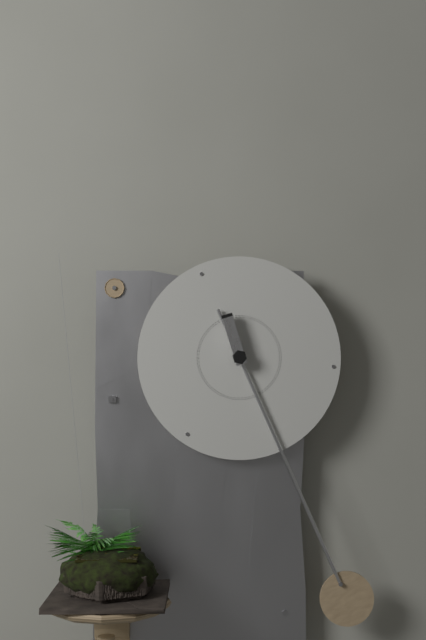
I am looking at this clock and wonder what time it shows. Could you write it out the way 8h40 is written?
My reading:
11h26
